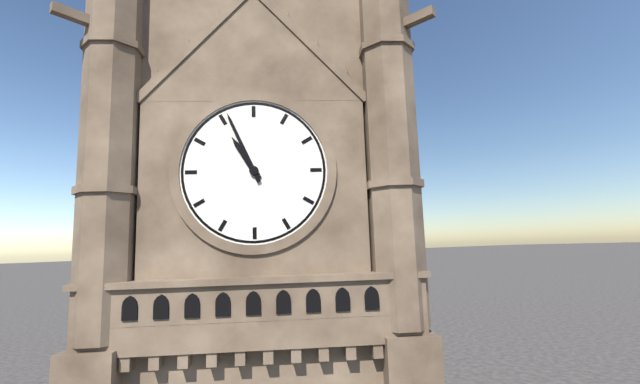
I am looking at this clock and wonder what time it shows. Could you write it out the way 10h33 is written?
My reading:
10h56
